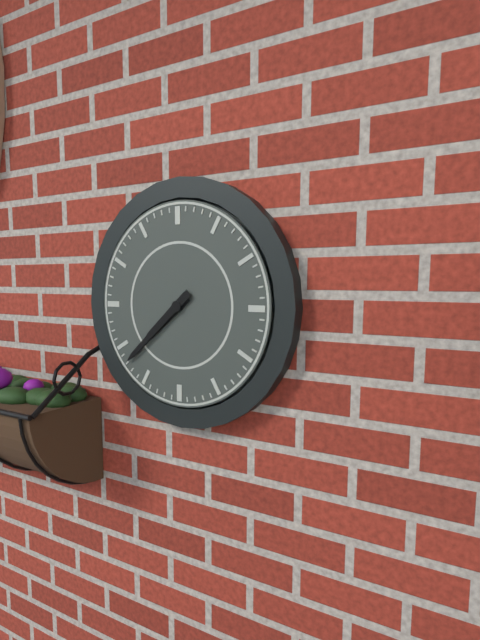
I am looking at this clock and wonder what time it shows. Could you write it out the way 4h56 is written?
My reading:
7h38
